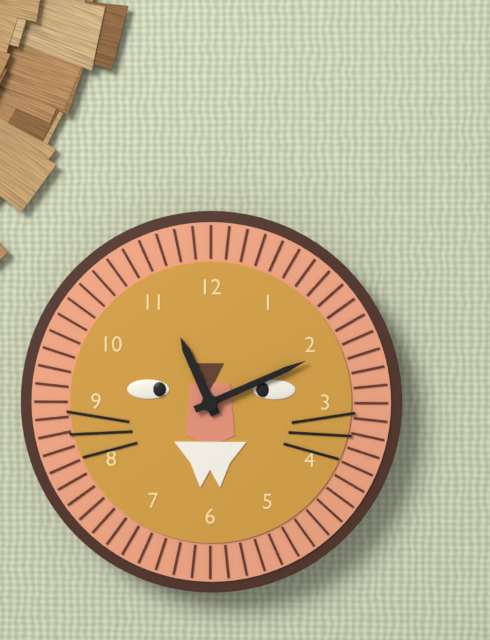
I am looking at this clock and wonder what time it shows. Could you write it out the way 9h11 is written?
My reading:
11h11
